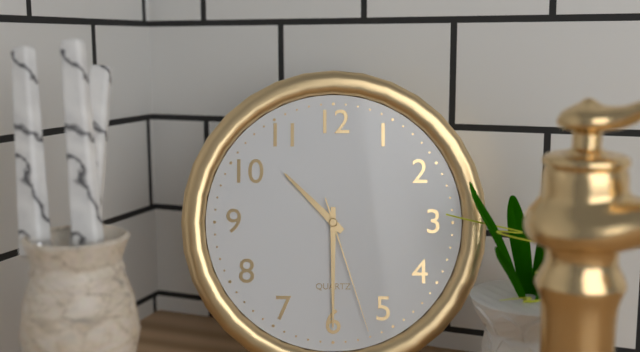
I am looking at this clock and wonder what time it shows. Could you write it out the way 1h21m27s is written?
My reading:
10h30m27s
